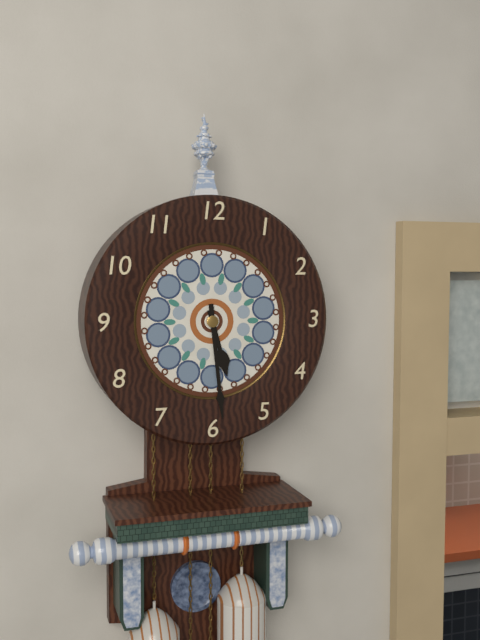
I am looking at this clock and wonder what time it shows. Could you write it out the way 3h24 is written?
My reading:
5h29
